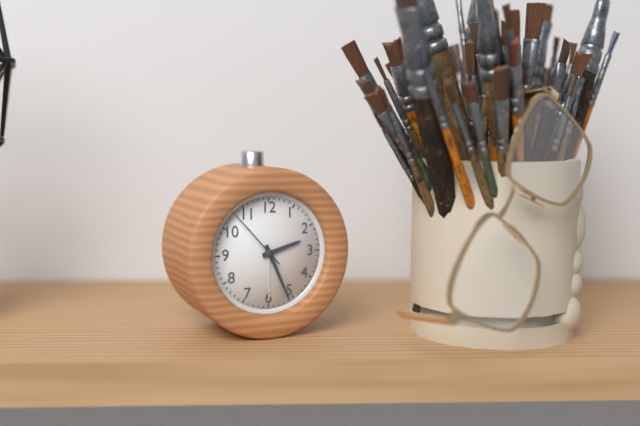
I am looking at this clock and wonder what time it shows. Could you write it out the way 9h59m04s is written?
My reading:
2h26m53s
